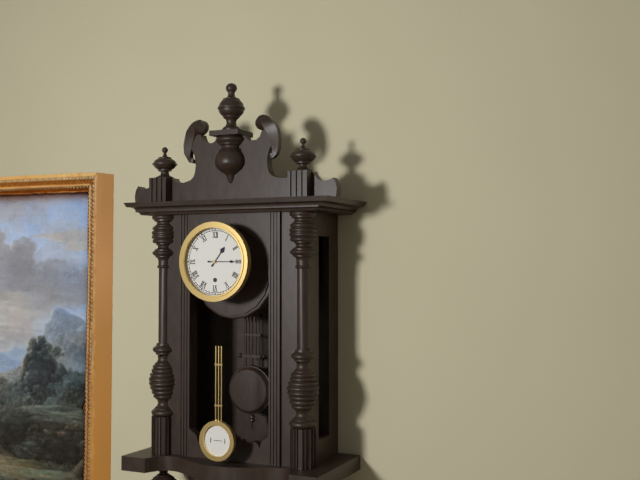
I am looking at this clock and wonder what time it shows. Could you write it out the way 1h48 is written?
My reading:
1h15
